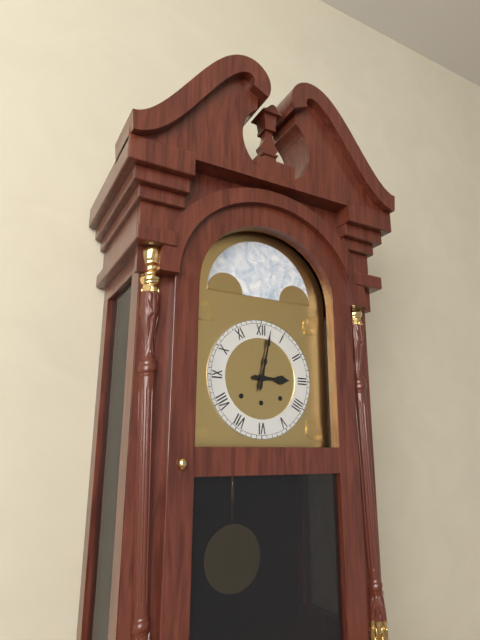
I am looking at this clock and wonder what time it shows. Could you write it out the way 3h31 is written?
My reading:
3h02
